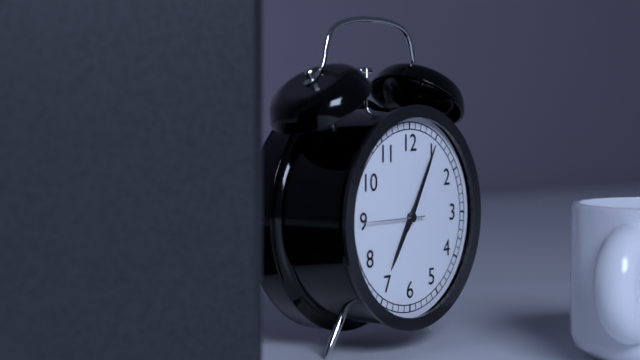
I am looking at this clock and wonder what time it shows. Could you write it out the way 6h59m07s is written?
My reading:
7h05m45s
